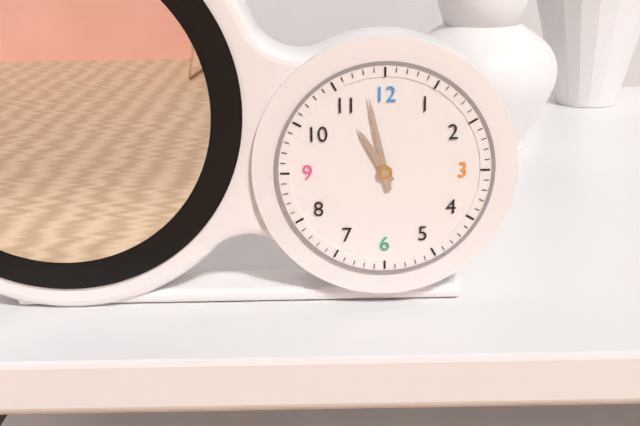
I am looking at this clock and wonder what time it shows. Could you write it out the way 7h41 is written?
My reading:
10h58
